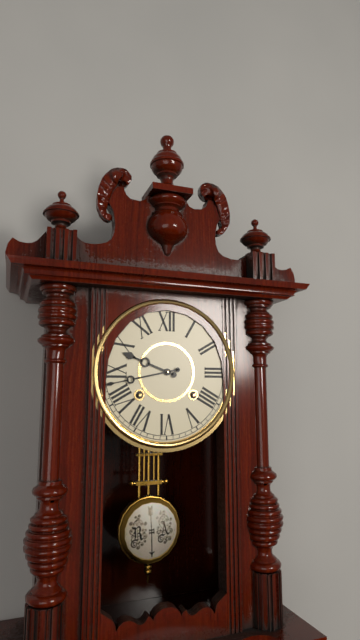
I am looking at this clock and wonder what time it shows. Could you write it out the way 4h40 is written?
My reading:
9h43
